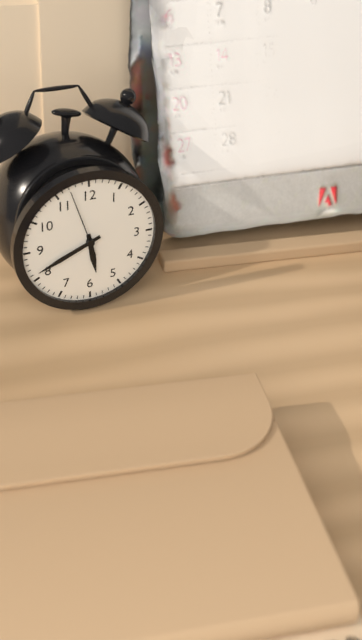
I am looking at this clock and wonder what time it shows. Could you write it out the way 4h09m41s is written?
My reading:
5h41m57s
